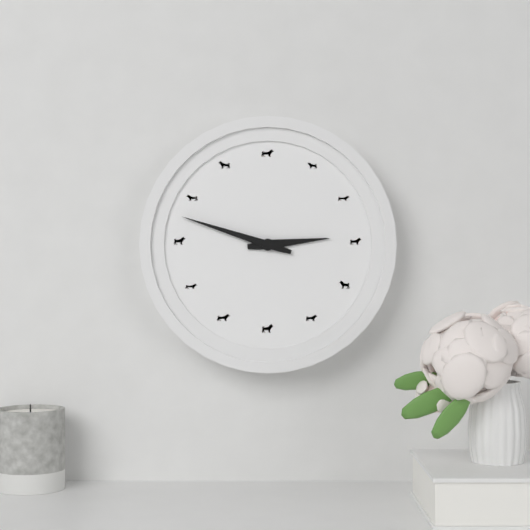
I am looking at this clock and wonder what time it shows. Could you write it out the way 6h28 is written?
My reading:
2h48
